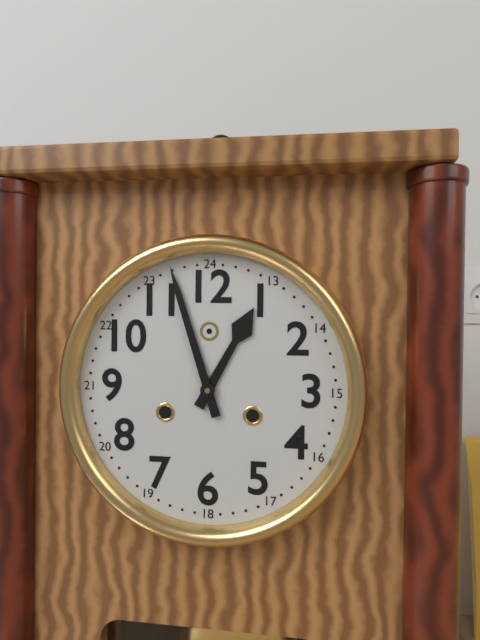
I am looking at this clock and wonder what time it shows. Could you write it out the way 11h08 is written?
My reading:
12h57
